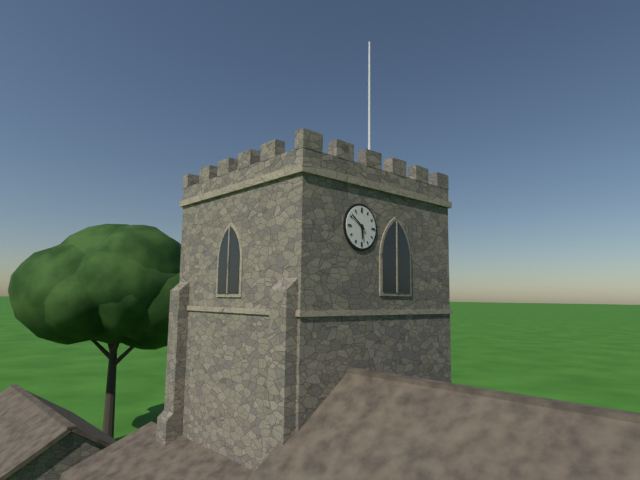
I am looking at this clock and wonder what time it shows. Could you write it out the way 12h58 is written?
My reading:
5h51
